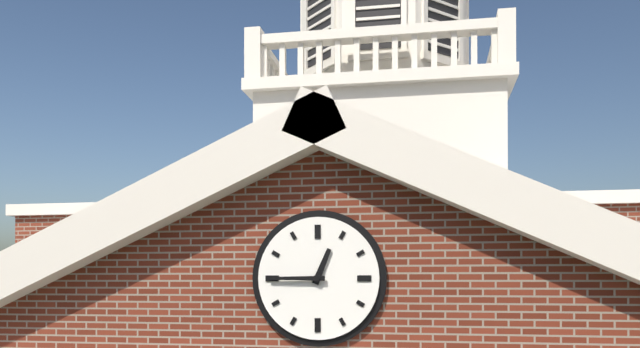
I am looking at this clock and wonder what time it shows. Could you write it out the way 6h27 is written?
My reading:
12h45
